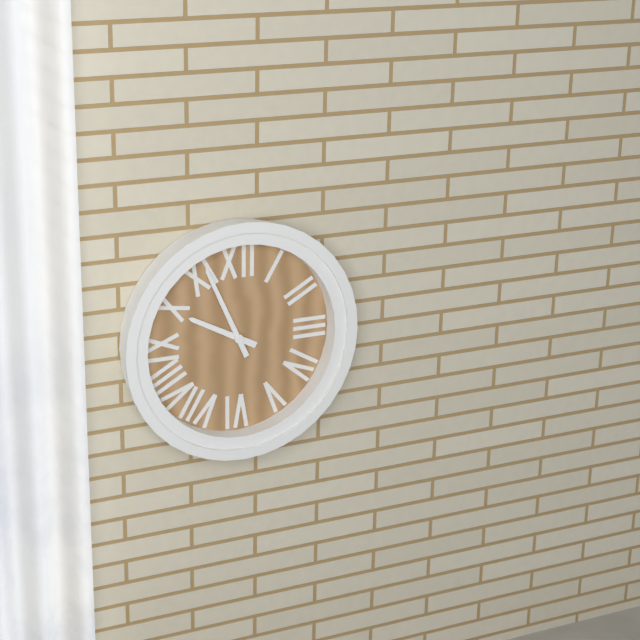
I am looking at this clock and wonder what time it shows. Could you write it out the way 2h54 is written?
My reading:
9h56
